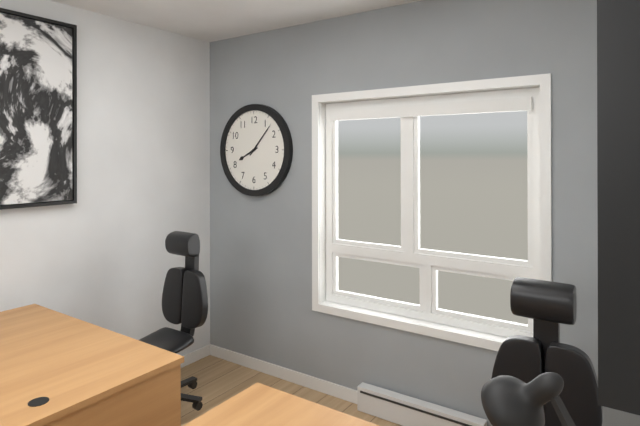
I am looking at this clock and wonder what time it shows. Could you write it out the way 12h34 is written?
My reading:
8h07
